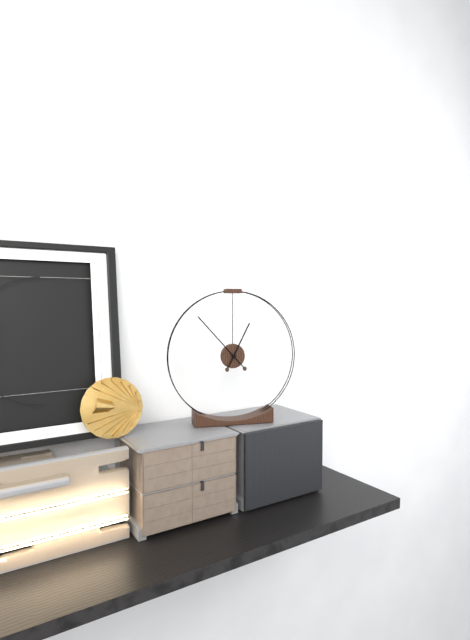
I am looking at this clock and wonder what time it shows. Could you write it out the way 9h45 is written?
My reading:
12h53
